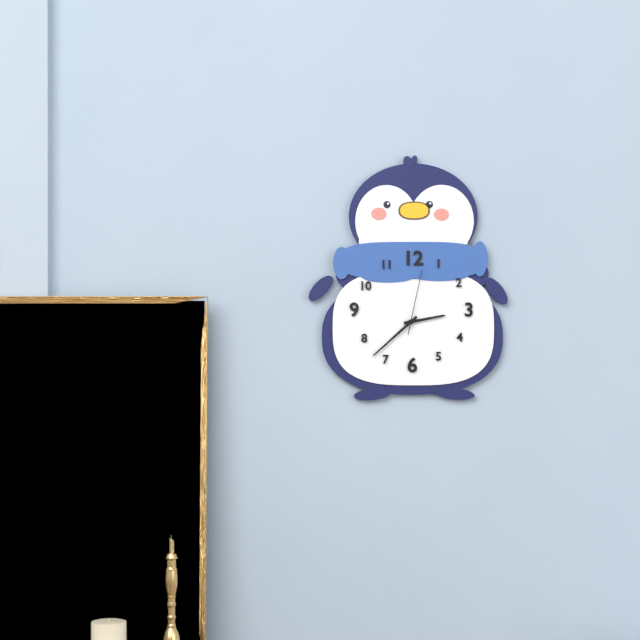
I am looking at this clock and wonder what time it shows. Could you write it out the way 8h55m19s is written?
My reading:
2h38m02s
